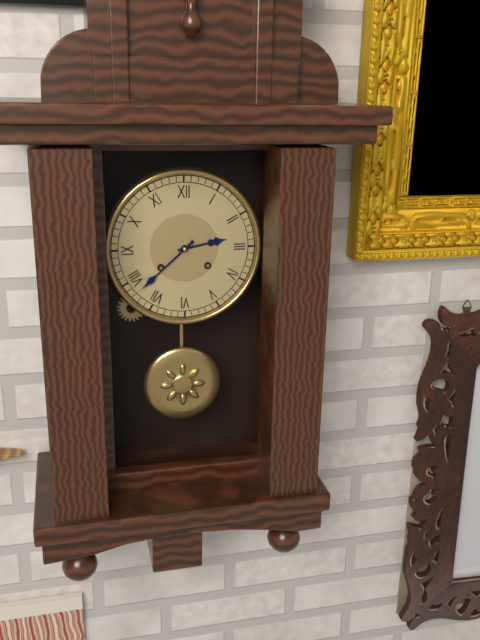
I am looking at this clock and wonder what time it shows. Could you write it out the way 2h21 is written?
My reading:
2h38
